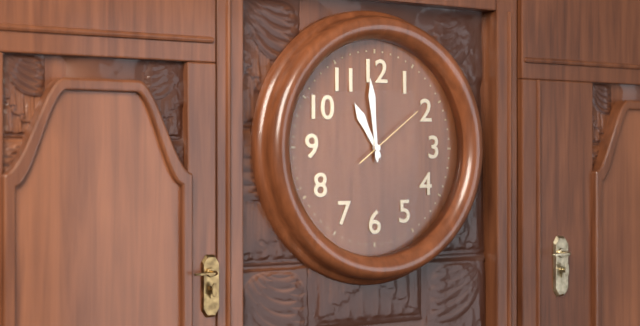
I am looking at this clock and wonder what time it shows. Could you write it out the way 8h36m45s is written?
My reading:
10h59m09s
